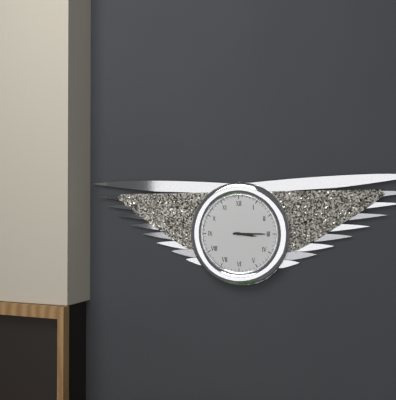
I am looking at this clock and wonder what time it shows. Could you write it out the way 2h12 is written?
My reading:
3h15
